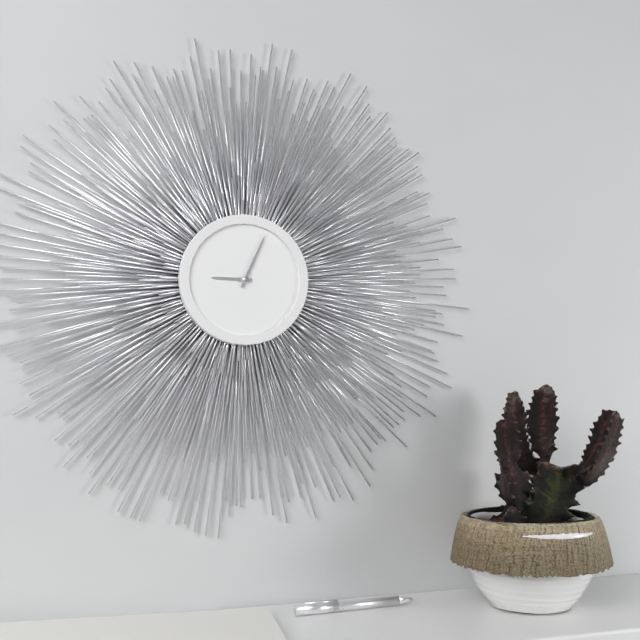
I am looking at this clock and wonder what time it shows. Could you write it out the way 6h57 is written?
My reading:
9h04
